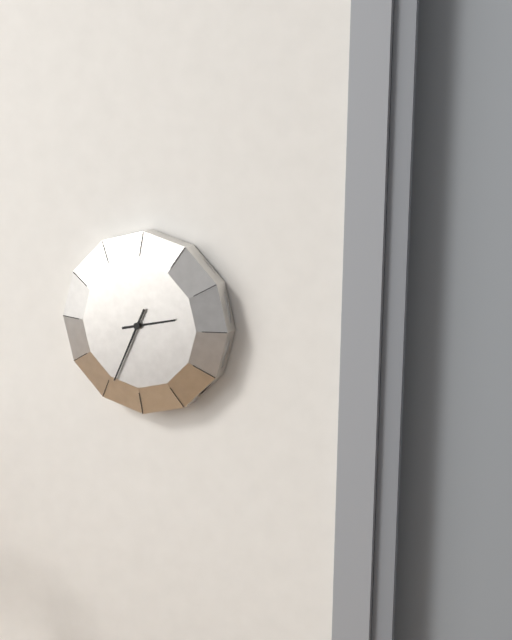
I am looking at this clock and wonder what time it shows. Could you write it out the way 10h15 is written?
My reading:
2h34
